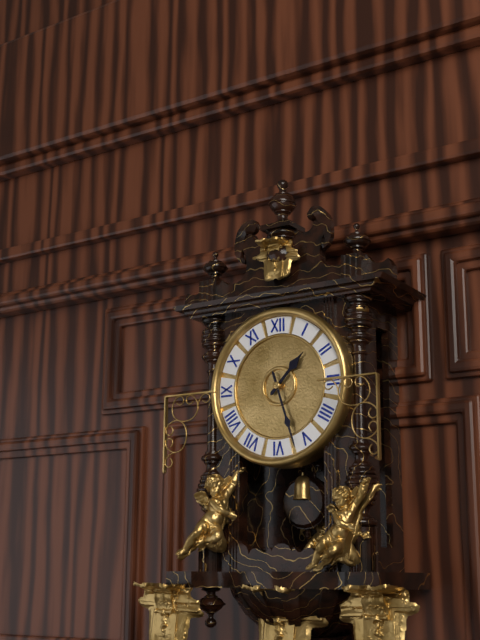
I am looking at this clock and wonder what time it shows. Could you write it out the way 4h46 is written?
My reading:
1h27
